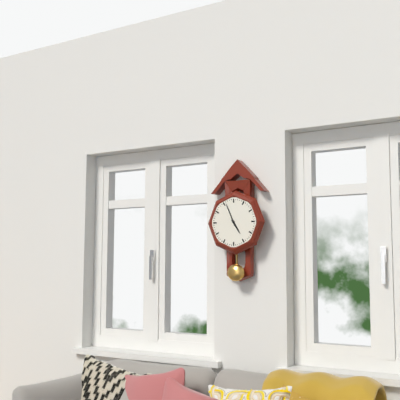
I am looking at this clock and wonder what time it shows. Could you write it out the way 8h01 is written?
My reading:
4h56
